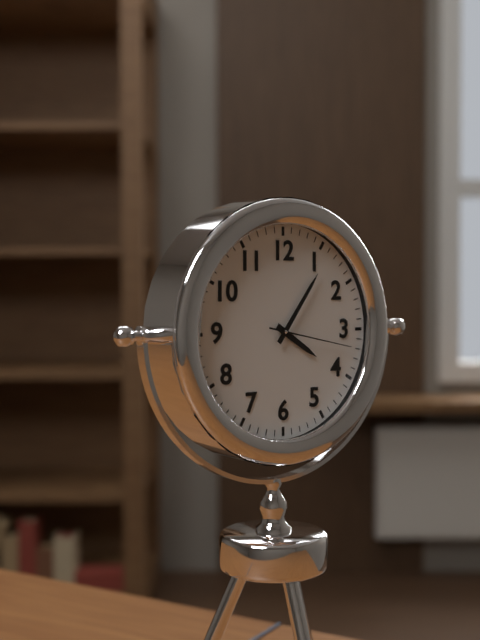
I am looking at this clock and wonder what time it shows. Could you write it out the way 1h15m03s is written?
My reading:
4h06m17s
